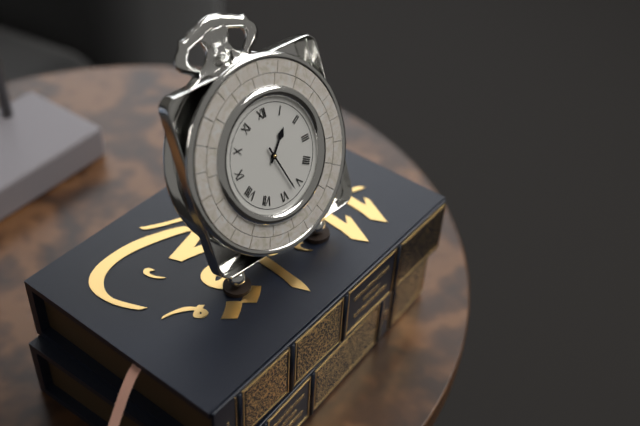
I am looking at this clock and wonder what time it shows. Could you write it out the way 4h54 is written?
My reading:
1h27
